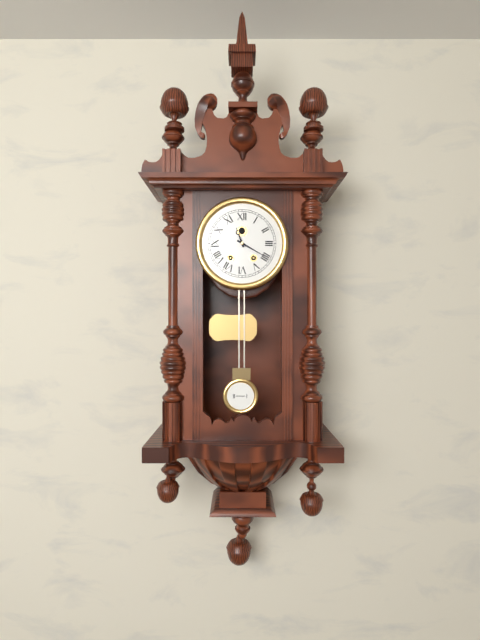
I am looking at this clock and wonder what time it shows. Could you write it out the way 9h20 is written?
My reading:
11h20
